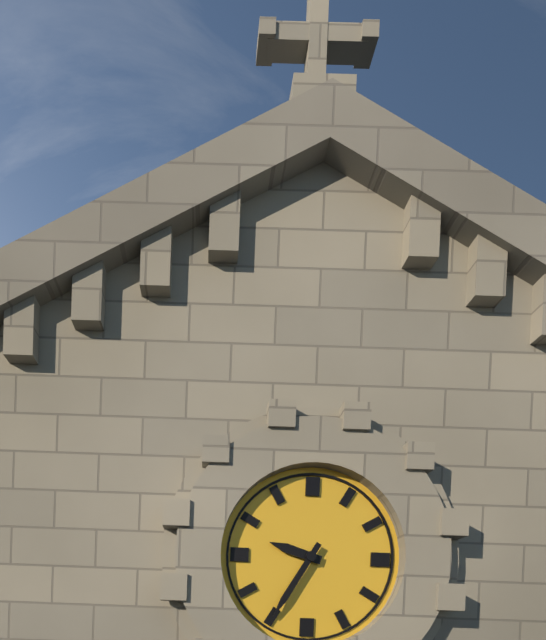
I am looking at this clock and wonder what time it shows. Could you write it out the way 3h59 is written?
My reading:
9h35
